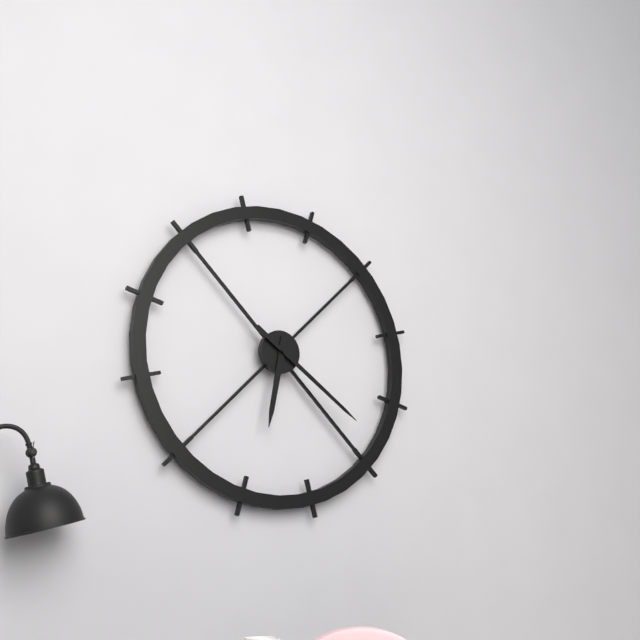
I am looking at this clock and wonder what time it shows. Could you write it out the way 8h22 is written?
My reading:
6h21
